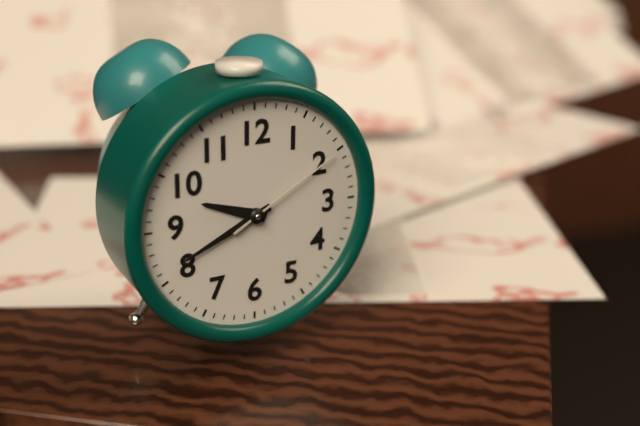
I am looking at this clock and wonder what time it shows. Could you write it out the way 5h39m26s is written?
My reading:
9h41m10s
